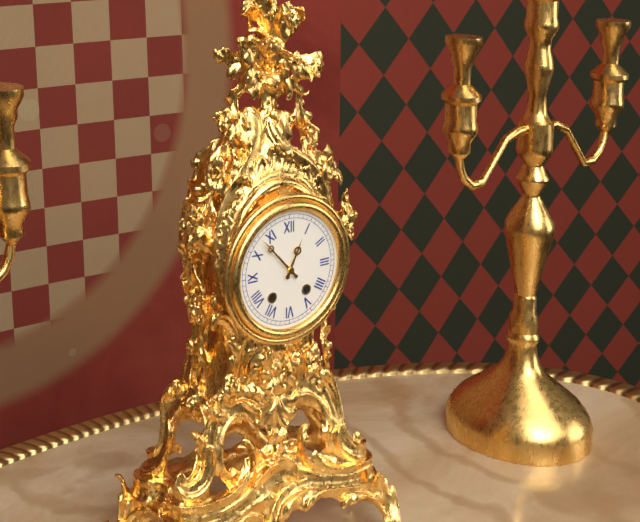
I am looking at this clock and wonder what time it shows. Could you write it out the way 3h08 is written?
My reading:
12h53
